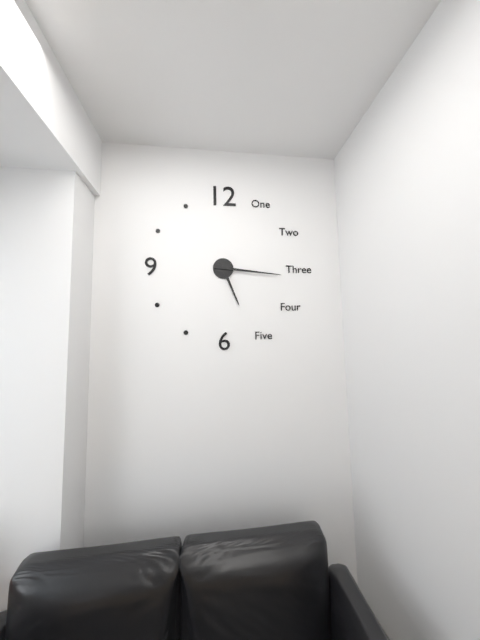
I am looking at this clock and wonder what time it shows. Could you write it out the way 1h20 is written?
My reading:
5h16
